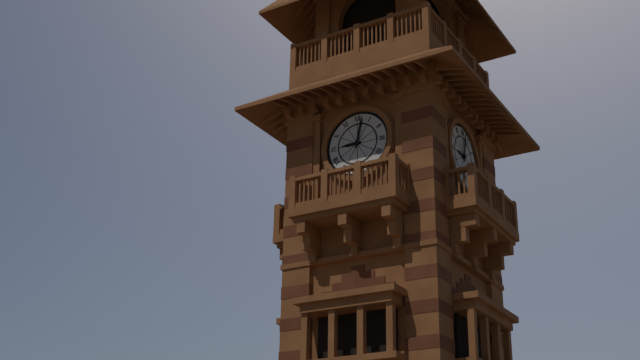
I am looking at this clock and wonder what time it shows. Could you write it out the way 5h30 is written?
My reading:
9h02
